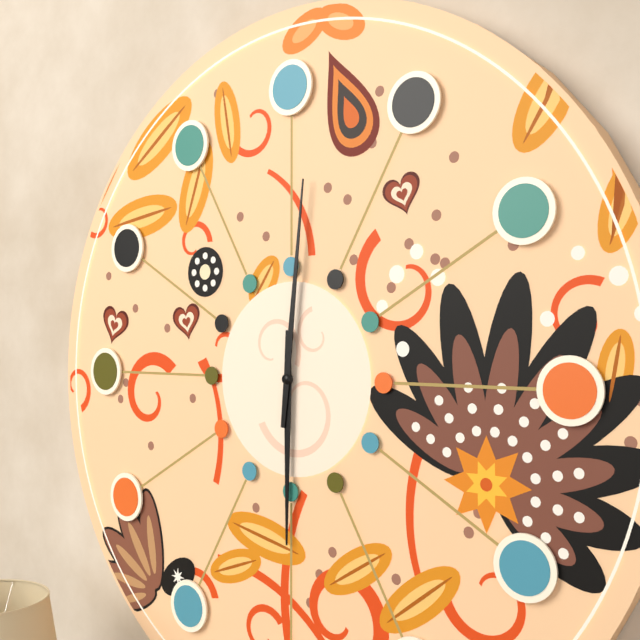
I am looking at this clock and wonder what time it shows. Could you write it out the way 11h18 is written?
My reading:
6h01
